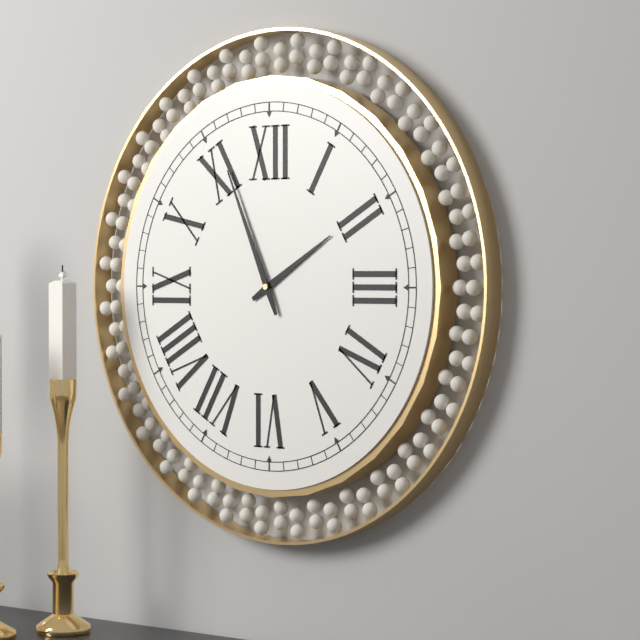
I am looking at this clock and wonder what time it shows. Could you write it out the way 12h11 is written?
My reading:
1h56
